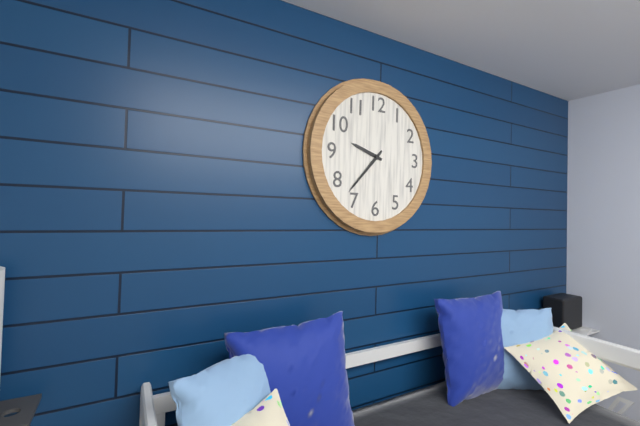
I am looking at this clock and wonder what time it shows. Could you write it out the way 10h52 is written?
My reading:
9h37
